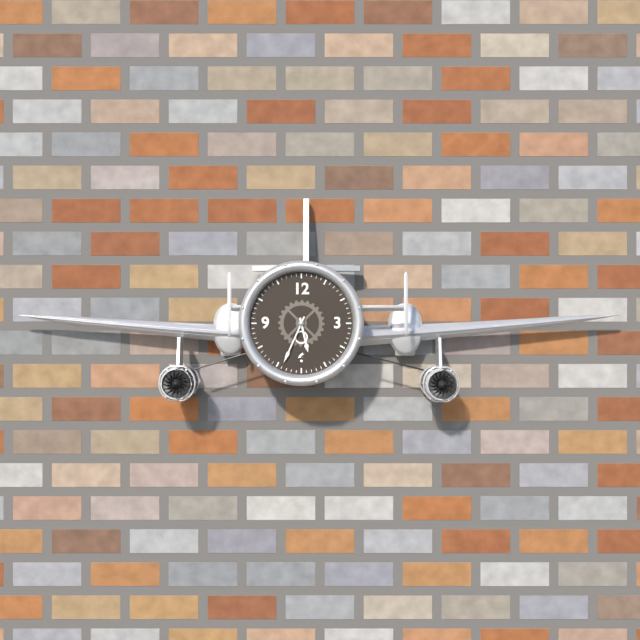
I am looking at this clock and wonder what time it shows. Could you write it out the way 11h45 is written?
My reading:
5h34
